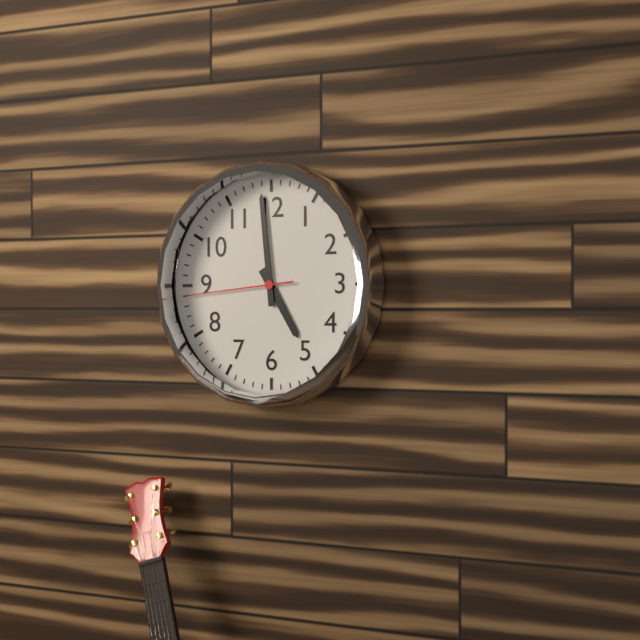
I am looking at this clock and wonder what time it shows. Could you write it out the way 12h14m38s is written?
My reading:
4h59m44s
